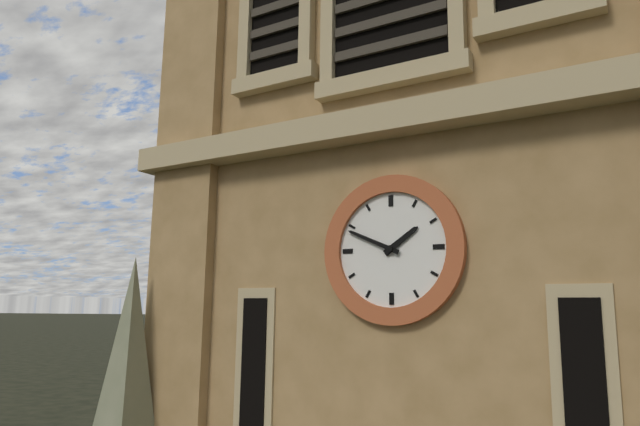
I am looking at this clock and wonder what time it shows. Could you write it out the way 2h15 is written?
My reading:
1h49
